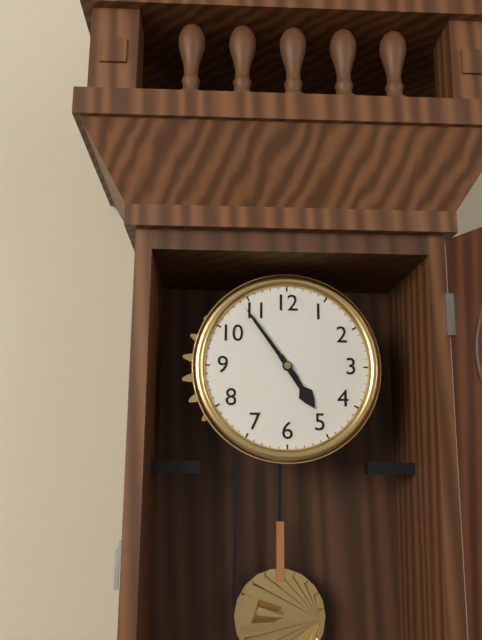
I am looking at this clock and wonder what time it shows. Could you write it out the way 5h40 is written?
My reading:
4h54
